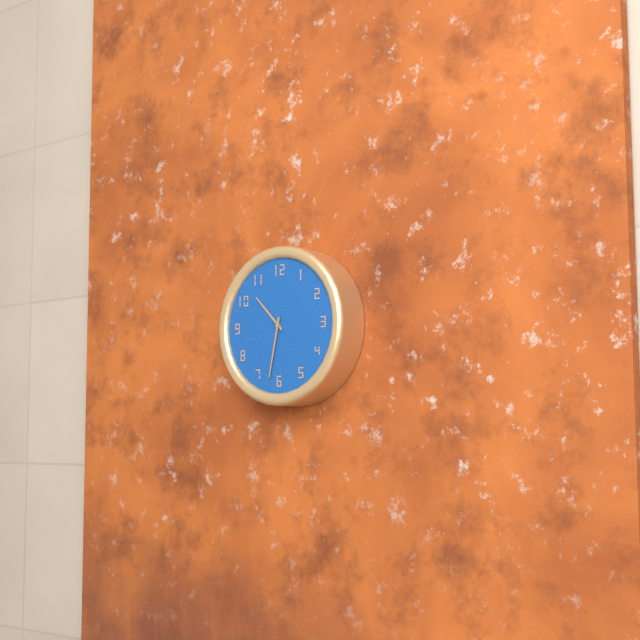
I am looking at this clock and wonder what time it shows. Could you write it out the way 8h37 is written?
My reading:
10h32
